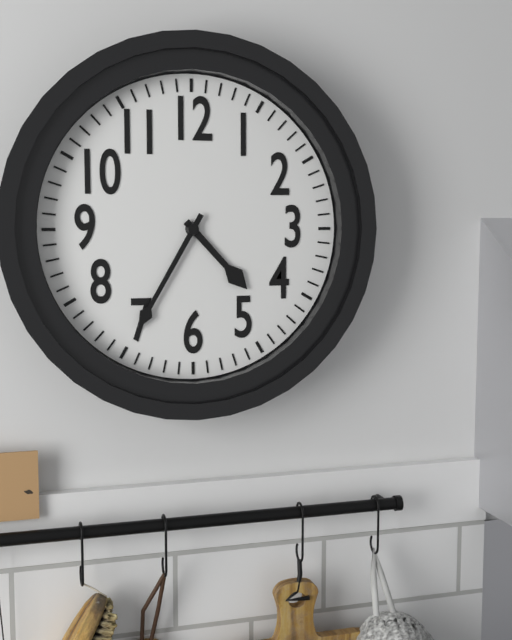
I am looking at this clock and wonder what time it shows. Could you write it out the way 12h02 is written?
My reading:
4h35
